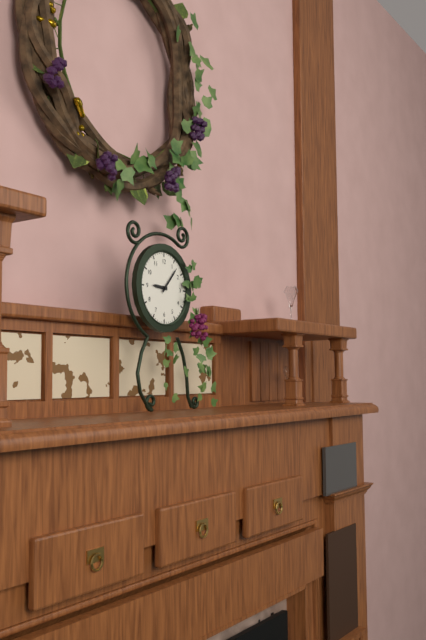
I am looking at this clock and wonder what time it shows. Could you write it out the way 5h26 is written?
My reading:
9h07
